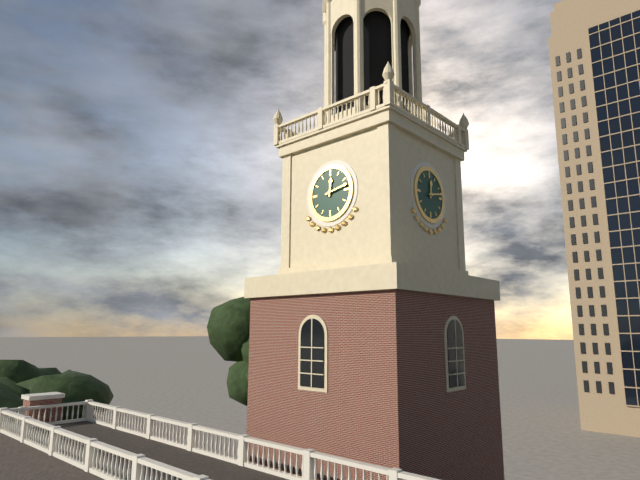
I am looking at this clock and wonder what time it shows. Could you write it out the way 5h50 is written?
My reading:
12h13
